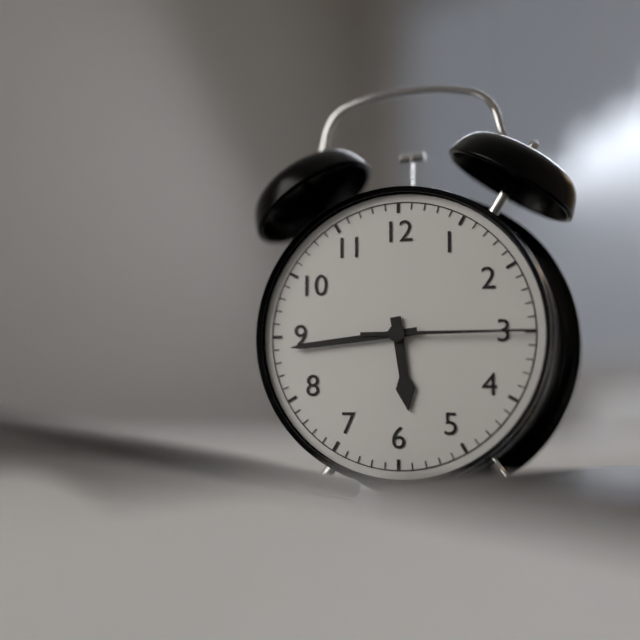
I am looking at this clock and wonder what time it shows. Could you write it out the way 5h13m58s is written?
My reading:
5h44m15s
